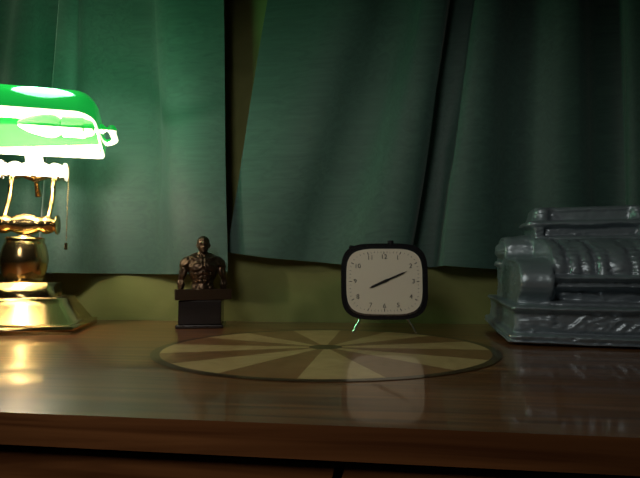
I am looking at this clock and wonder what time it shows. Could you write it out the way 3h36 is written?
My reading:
8h11
